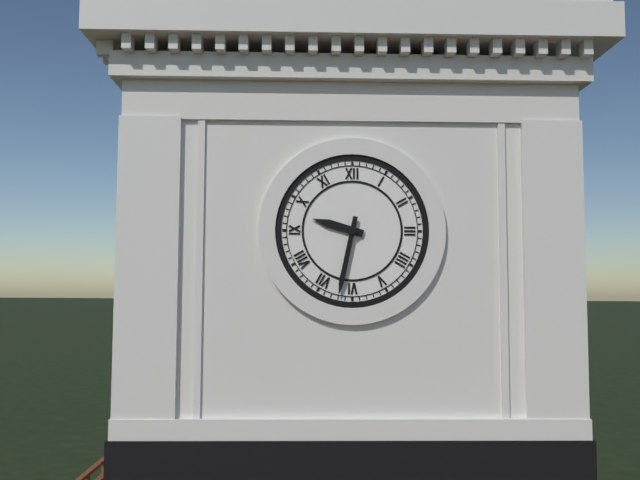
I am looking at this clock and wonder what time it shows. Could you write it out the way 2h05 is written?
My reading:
9h32
